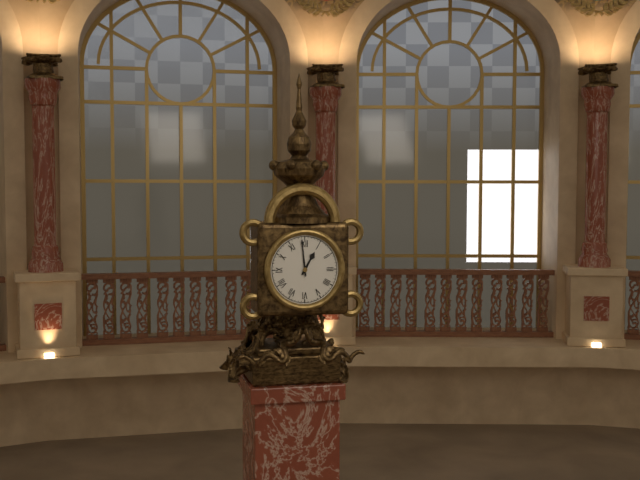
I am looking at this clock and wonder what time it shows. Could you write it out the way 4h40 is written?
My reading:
12h59
